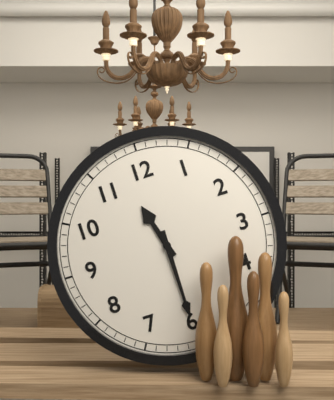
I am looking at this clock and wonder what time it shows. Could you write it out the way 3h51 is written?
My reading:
11h30
